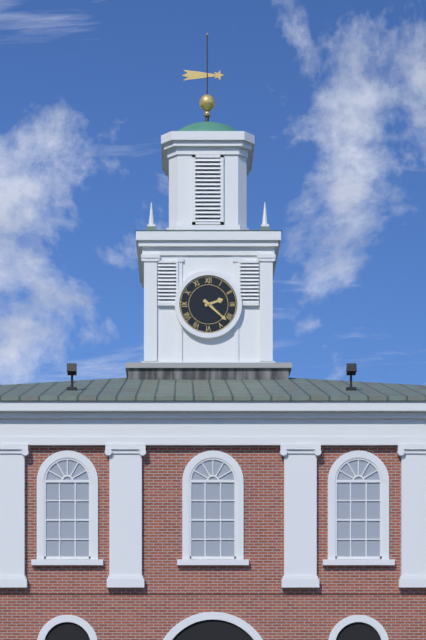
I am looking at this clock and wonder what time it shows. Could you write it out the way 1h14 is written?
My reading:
2h22
